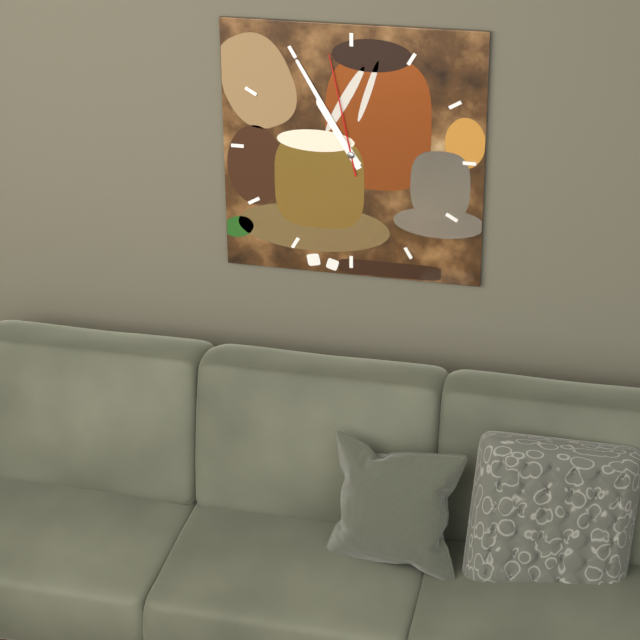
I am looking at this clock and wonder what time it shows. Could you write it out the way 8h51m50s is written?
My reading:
10h55m58s
